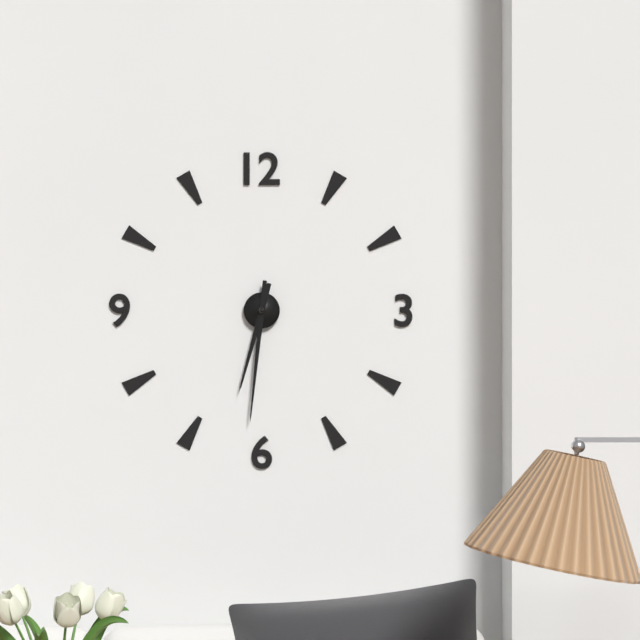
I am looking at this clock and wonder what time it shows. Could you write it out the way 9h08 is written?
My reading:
6h31
